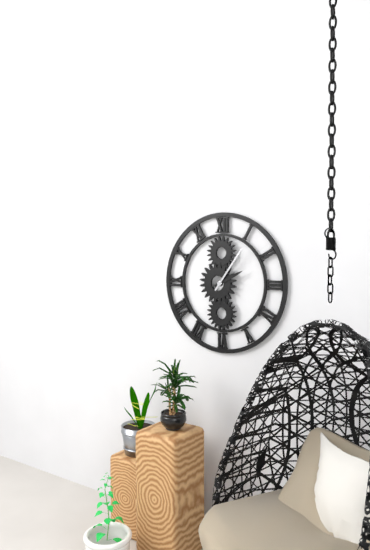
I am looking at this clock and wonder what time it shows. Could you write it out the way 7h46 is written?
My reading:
2h06
